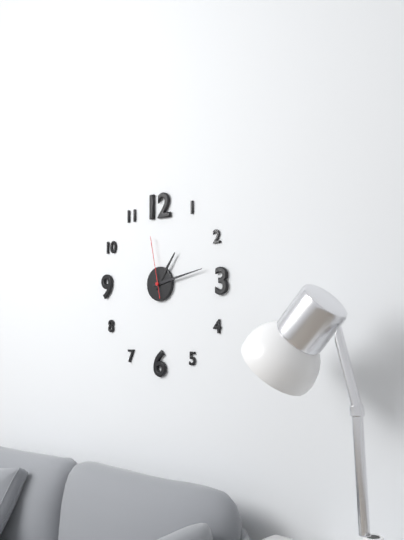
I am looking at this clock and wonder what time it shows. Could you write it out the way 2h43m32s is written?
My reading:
1h13m58s
